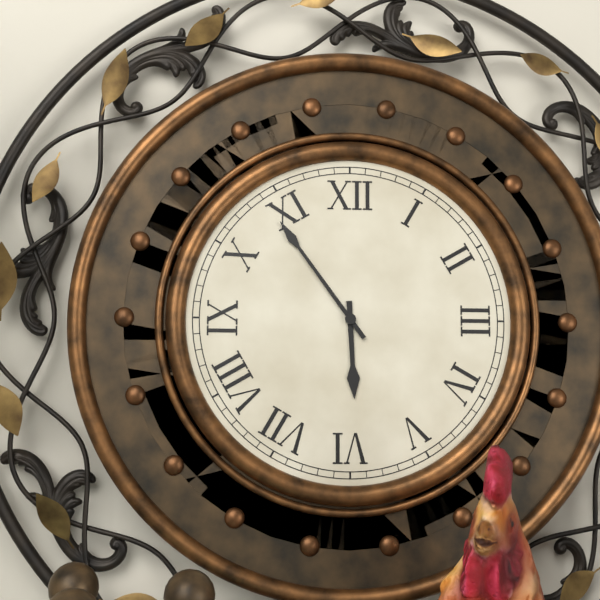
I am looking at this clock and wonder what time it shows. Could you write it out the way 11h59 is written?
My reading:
5h54
